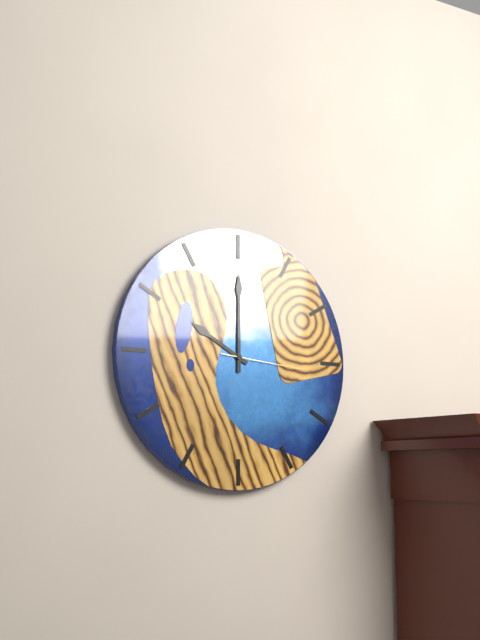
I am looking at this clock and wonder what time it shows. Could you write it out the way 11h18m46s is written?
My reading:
10h00m16s
